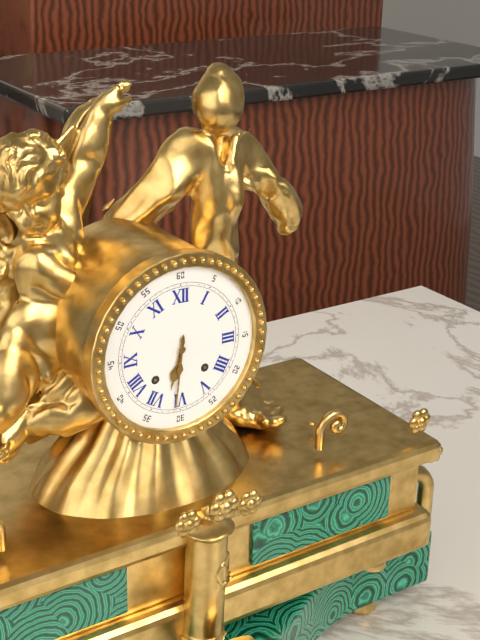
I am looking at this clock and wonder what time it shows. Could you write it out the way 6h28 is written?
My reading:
6h31
